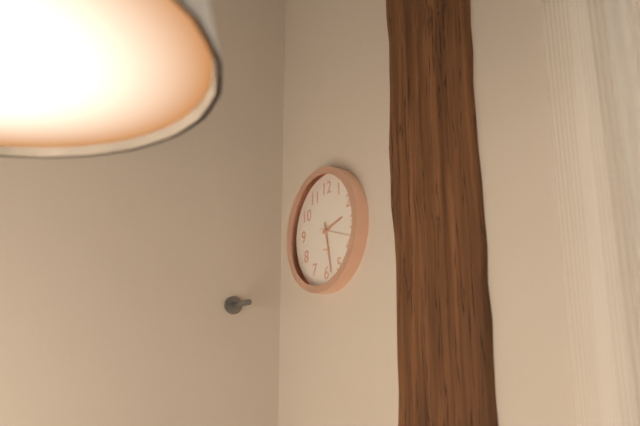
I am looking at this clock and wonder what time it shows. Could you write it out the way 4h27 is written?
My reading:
2h28
